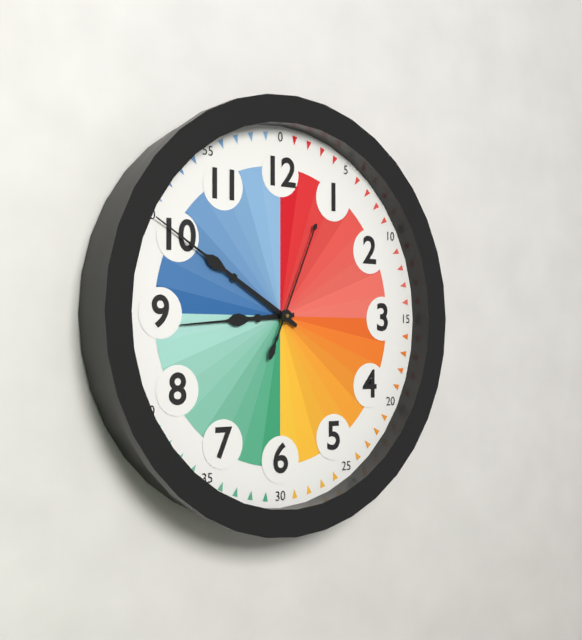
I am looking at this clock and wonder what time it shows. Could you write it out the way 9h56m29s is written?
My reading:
8h50m04s
